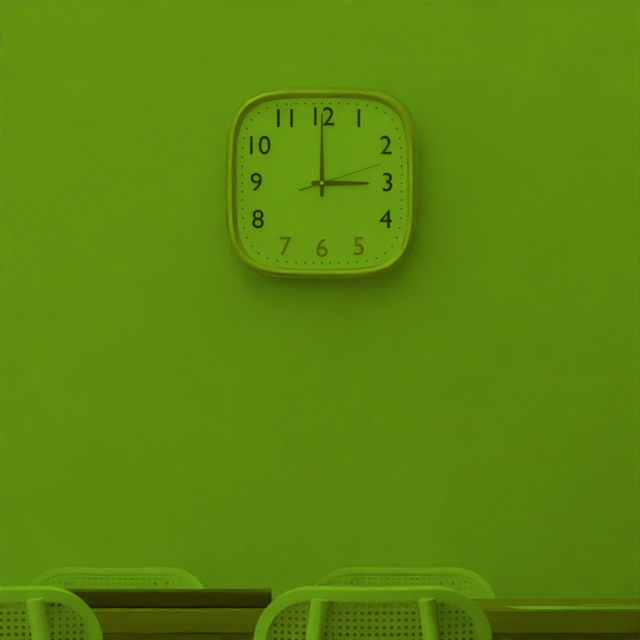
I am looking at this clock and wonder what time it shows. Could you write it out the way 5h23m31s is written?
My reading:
3h00m12s
